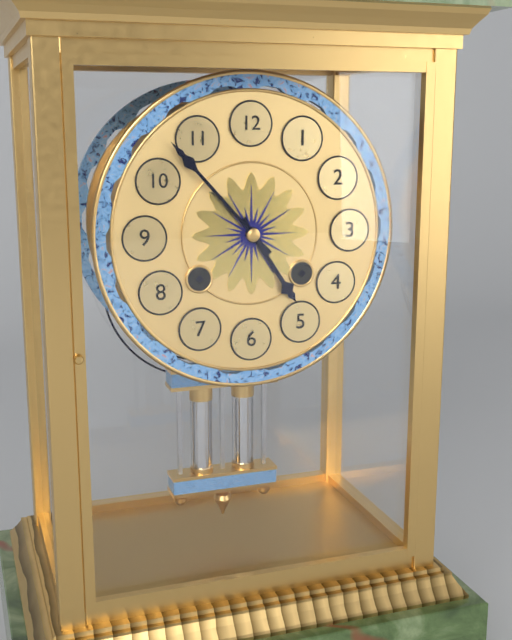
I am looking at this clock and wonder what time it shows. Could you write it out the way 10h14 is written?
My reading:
4h53
